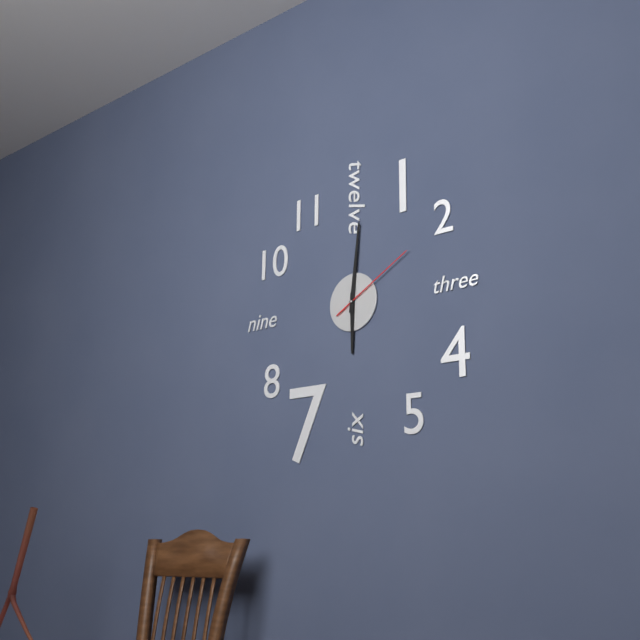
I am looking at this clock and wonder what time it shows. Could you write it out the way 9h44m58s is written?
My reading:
6h01m10s
